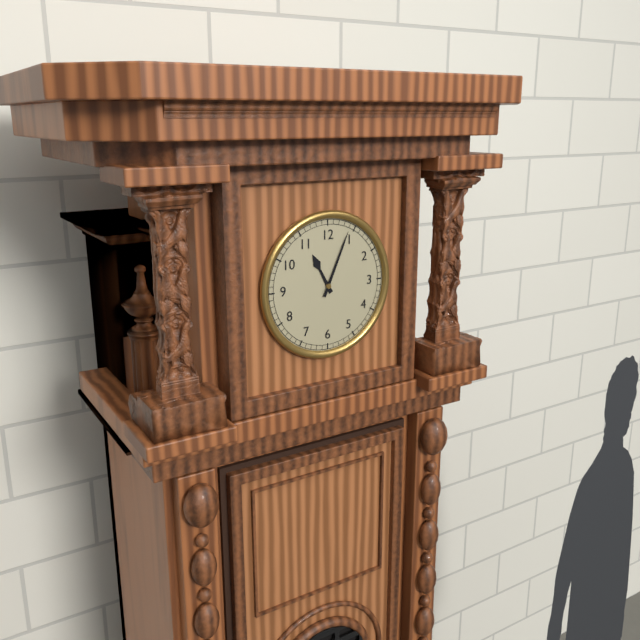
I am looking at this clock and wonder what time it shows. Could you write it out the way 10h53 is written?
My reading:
11h04
